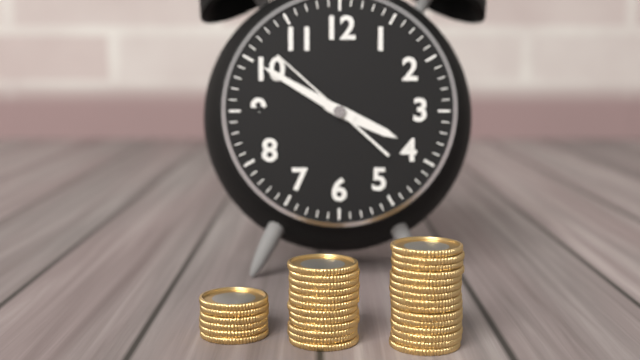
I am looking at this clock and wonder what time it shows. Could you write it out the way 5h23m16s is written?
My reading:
3h50m52s
